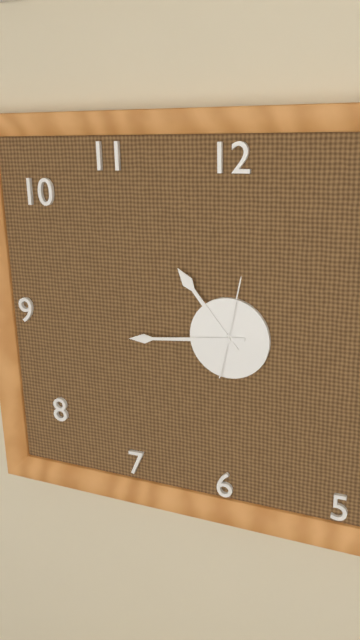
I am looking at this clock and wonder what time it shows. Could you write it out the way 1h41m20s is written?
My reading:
10h44m02s
